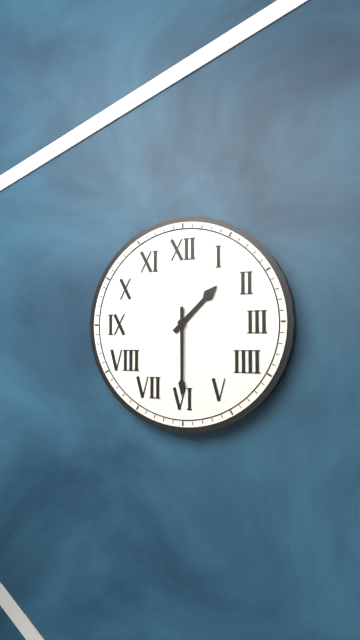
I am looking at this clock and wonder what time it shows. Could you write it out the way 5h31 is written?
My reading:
1h30
